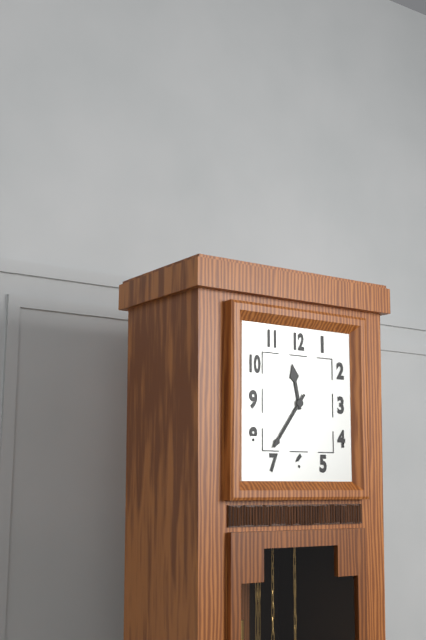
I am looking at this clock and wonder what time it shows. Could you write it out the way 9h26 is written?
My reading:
11h36
